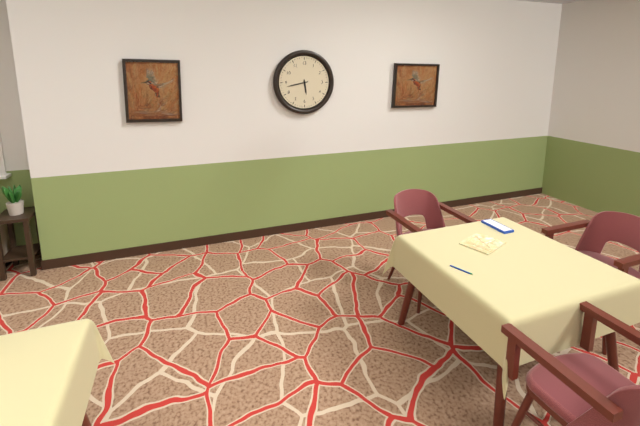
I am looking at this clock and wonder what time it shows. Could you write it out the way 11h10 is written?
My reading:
5h43
